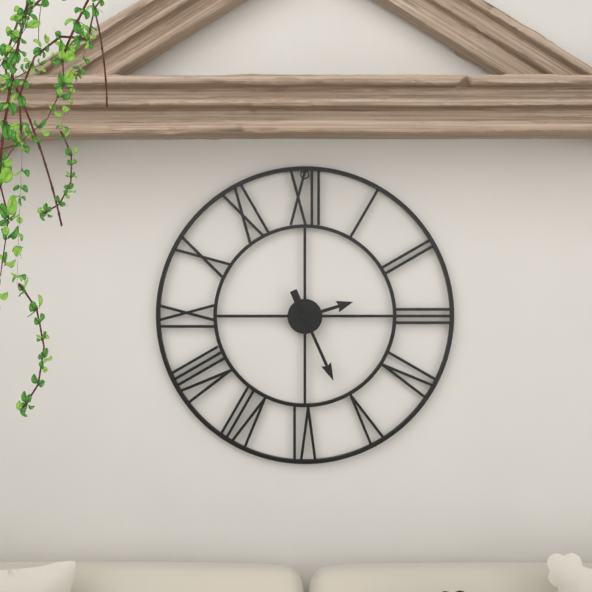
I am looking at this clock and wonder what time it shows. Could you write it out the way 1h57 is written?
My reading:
2h26
